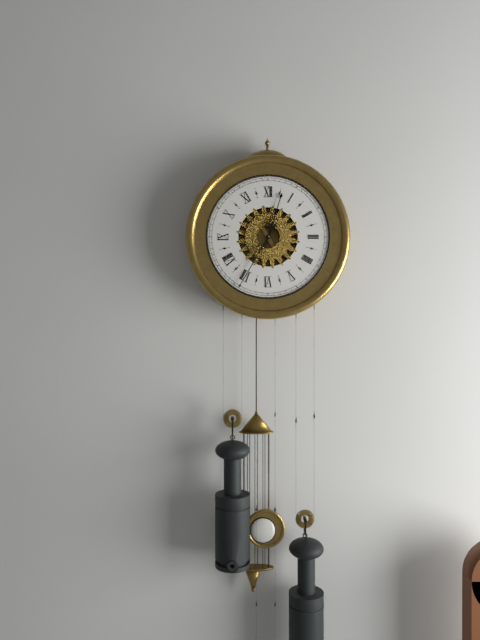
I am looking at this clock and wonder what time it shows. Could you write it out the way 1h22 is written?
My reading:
12h35
